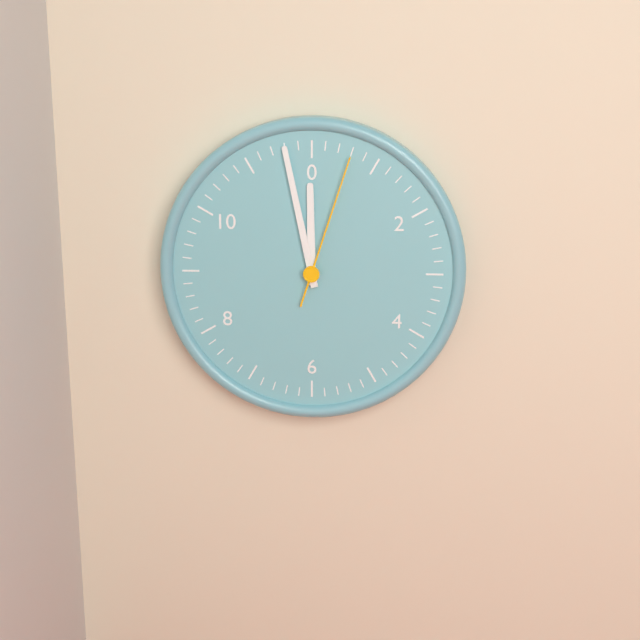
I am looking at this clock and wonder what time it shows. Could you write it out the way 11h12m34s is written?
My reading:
11h58m03s
